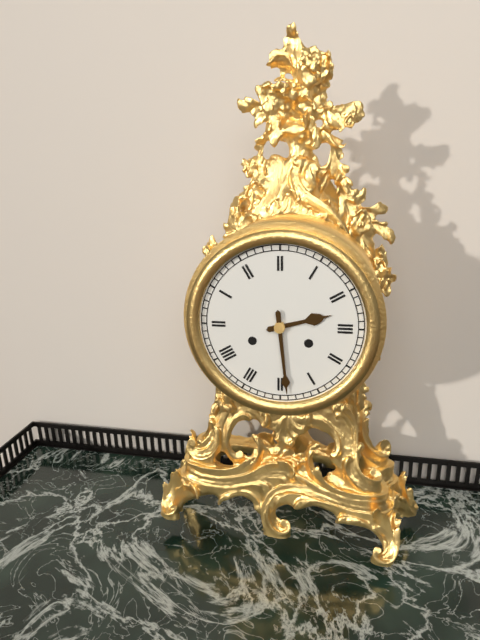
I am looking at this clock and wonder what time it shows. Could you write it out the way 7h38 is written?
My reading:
2h29
